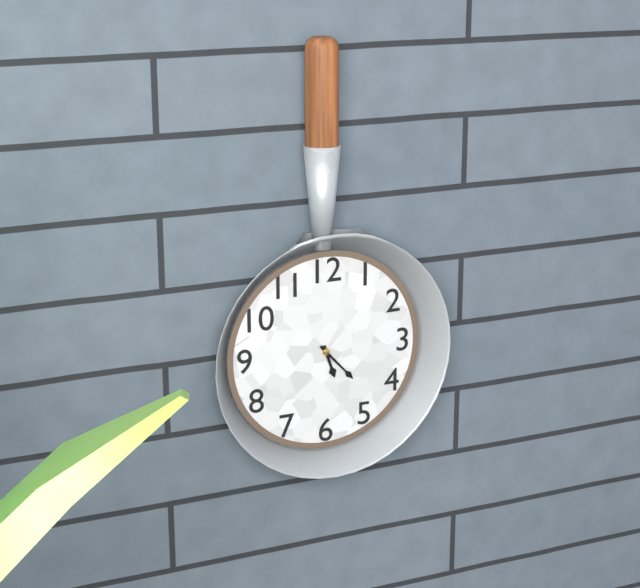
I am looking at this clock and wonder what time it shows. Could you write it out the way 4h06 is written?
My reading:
5h23
